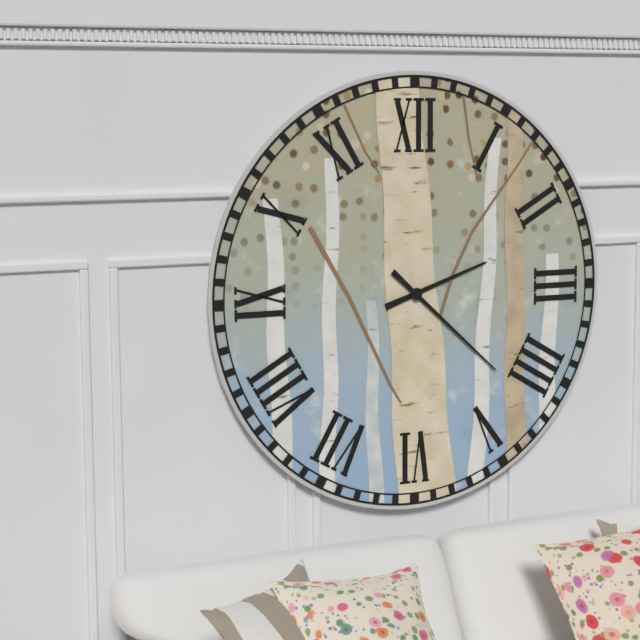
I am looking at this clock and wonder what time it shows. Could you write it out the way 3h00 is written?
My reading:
2h22
